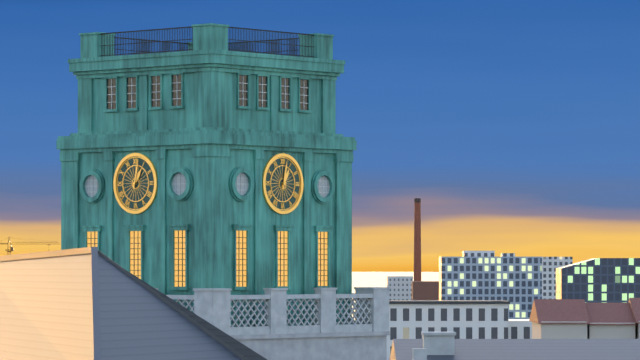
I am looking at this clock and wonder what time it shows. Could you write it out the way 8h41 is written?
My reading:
1h02
